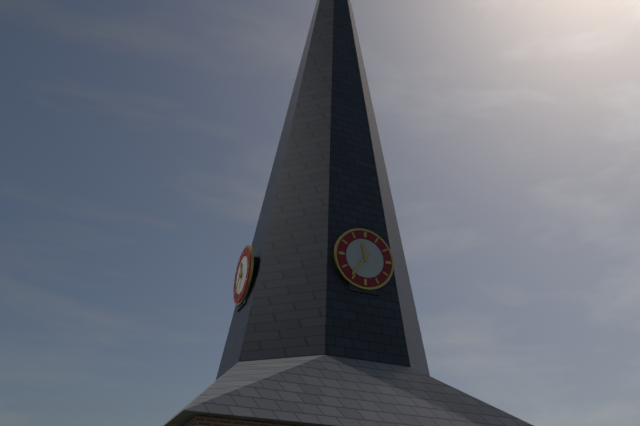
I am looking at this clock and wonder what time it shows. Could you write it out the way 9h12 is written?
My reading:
11h36
